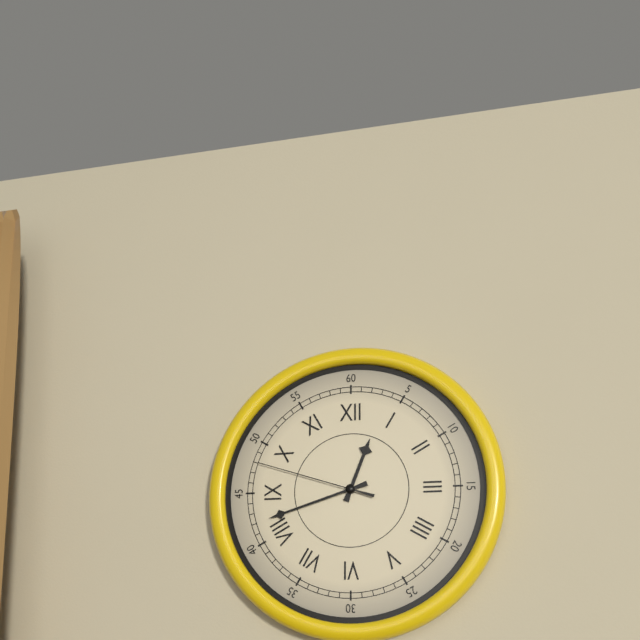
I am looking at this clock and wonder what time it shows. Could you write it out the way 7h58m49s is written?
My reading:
12h42m48s
